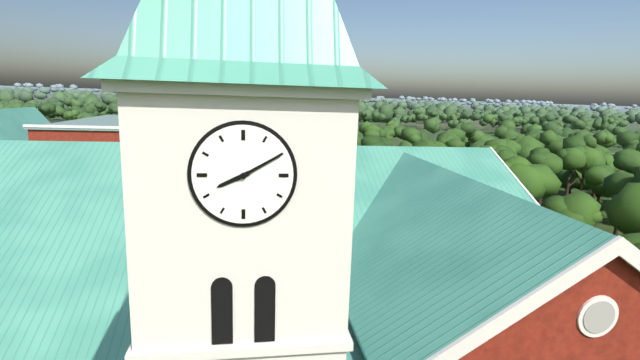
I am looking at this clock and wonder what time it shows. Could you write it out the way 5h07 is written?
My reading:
8h10
